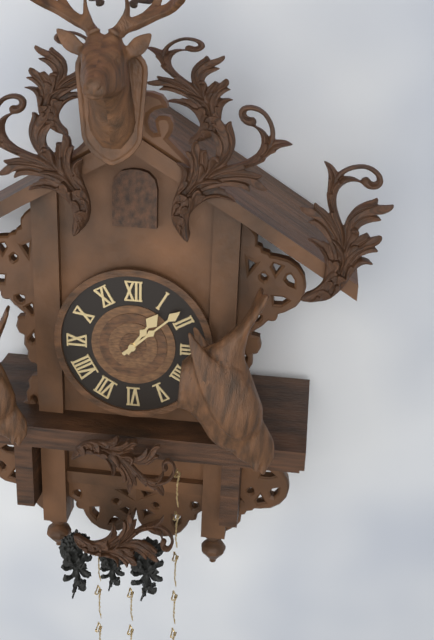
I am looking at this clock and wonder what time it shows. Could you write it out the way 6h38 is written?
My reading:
1h08
